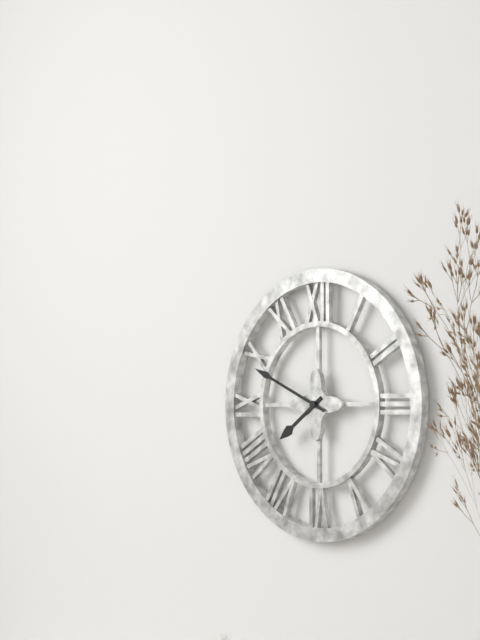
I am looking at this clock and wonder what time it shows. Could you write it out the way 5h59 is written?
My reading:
7h49
